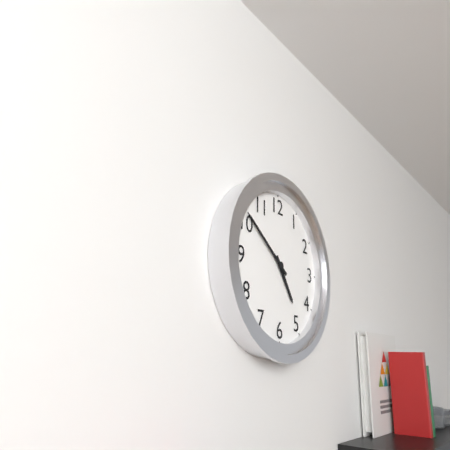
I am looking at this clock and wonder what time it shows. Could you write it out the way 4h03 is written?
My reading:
4h51
